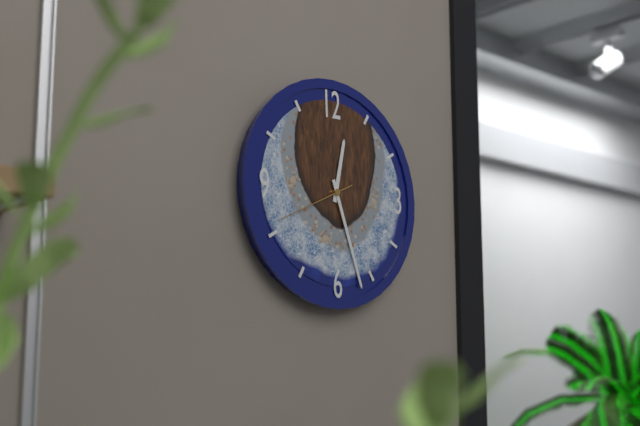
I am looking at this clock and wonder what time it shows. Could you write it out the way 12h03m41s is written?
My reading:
12h27m41s
